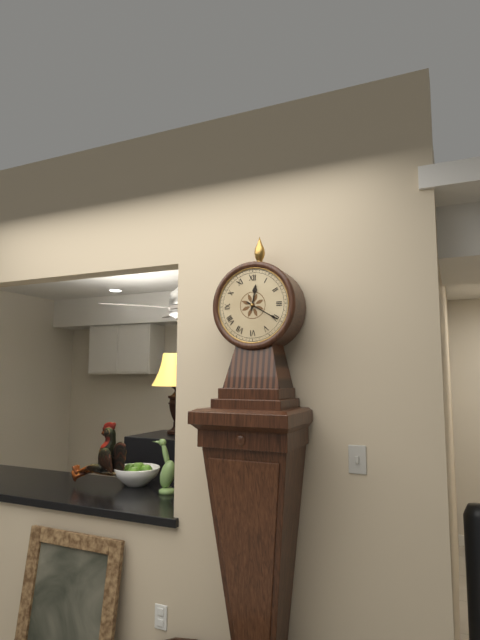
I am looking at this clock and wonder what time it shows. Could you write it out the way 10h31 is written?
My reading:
12h20
